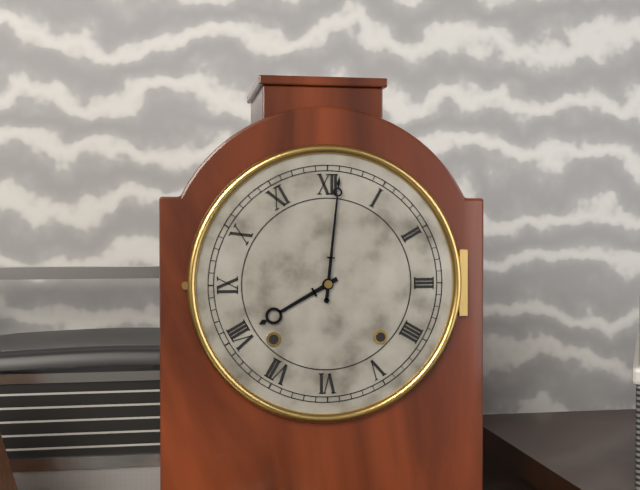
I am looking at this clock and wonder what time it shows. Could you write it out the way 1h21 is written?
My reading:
8h01
